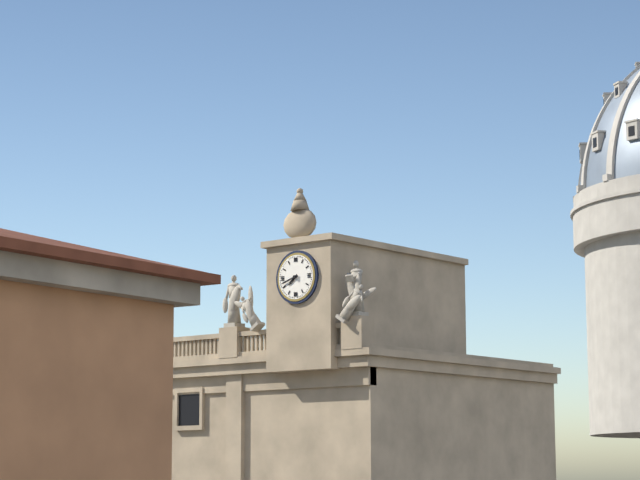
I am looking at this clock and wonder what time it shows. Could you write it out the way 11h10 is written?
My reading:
7h42
